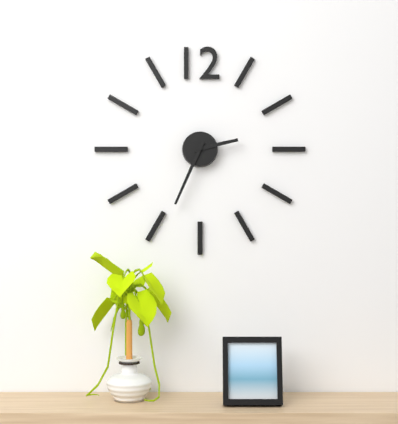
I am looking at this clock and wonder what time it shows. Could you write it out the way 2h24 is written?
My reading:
2h34
